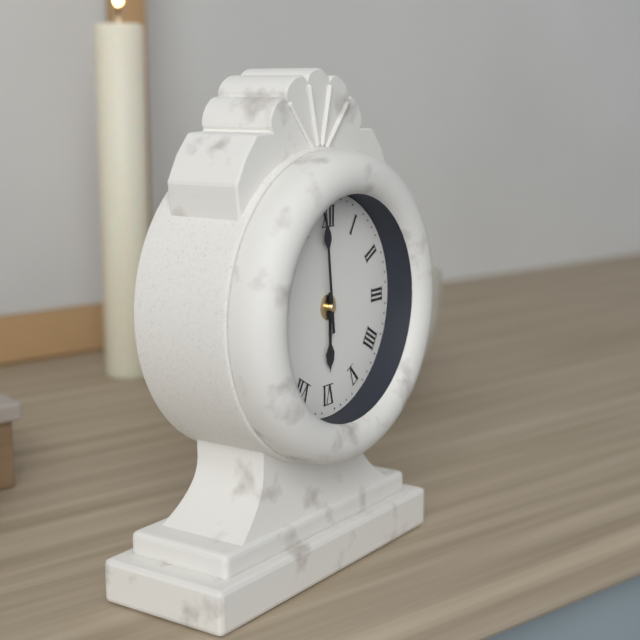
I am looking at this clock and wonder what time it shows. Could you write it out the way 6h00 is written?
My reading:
5h59
